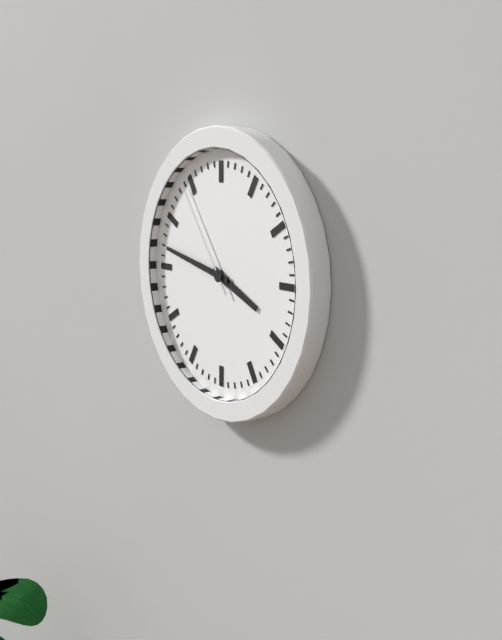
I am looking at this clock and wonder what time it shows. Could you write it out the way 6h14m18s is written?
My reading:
3h47m54s
